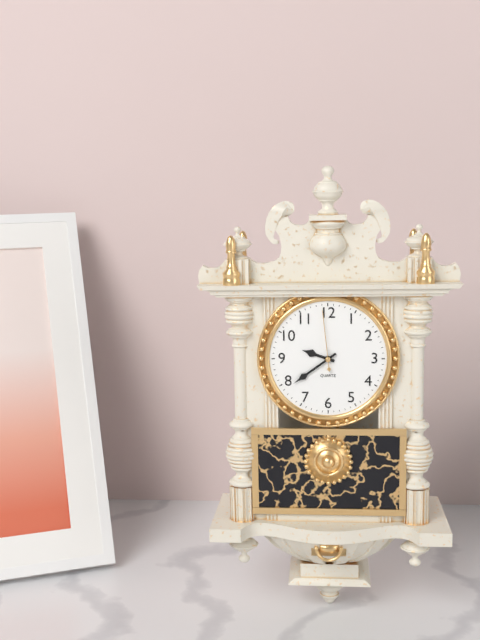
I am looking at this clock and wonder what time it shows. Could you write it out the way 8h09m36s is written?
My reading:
9h39m59s
